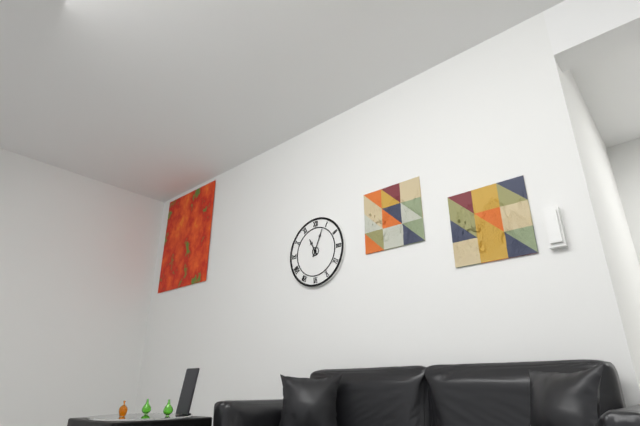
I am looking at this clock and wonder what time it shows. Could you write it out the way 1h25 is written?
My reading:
11h04
